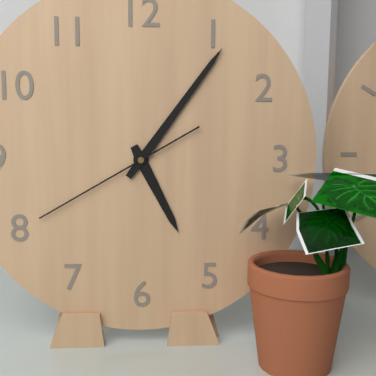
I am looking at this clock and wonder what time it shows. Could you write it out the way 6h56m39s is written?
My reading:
5h06m40s
